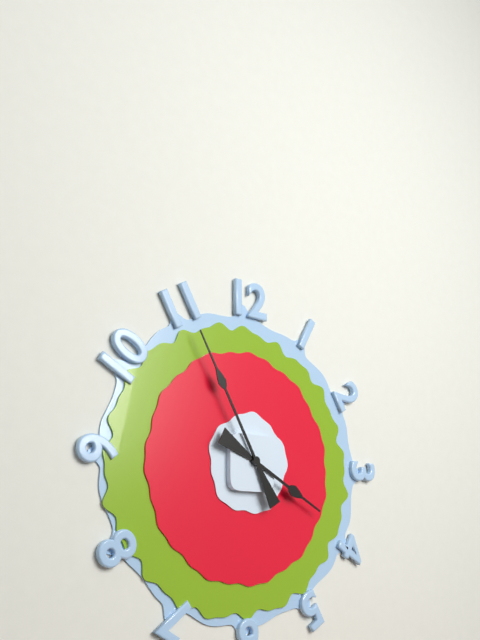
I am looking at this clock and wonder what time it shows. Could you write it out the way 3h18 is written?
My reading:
3h55
